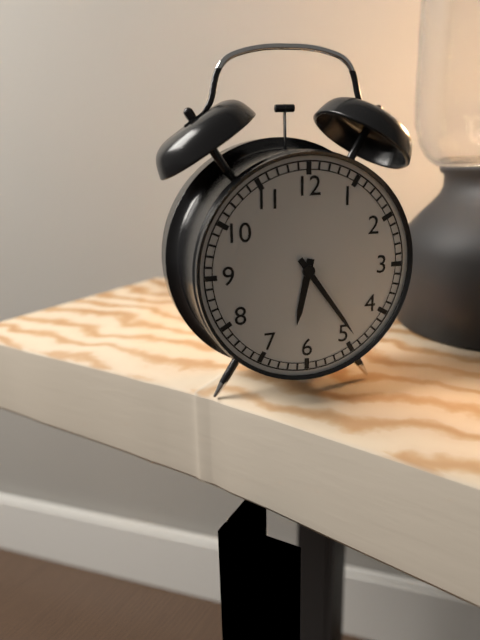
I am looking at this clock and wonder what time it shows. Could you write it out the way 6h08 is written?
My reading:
6h24
